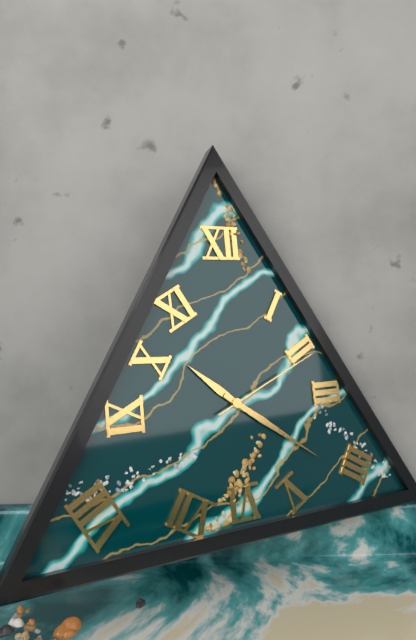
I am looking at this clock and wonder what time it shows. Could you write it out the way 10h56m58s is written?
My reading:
10h21m11s
